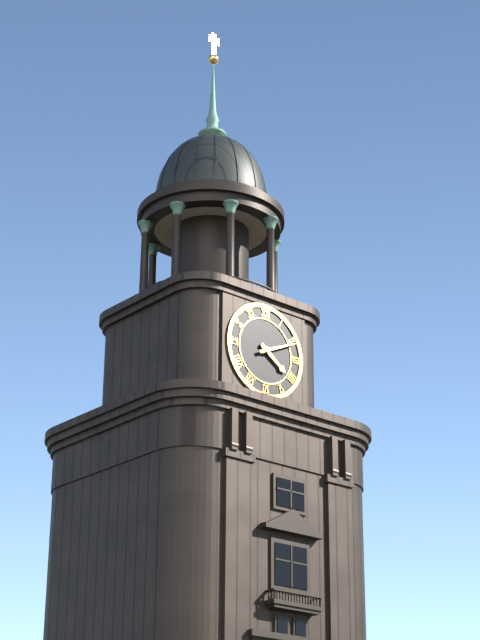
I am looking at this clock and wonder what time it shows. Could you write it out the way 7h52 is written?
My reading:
4h11
